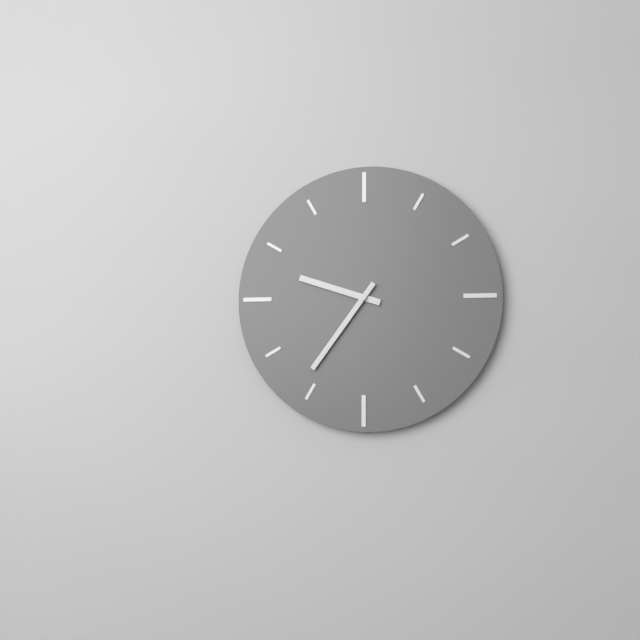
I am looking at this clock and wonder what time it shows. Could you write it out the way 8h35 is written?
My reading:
9h36
